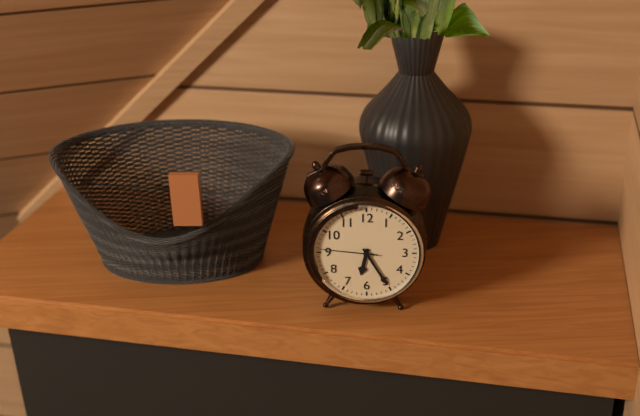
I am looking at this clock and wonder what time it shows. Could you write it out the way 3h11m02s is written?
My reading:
6h25m46s
